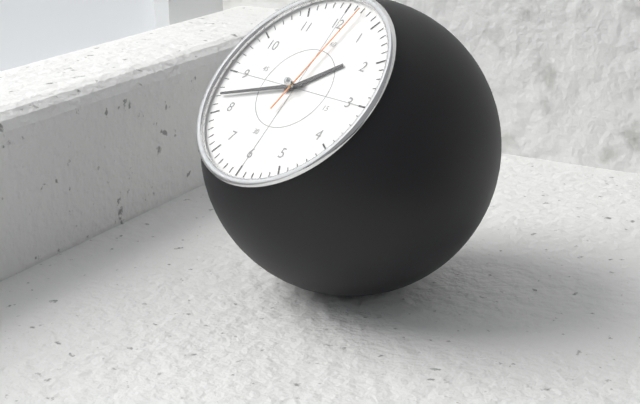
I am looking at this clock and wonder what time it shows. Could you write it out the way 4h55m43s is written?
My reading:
1h42m02s
